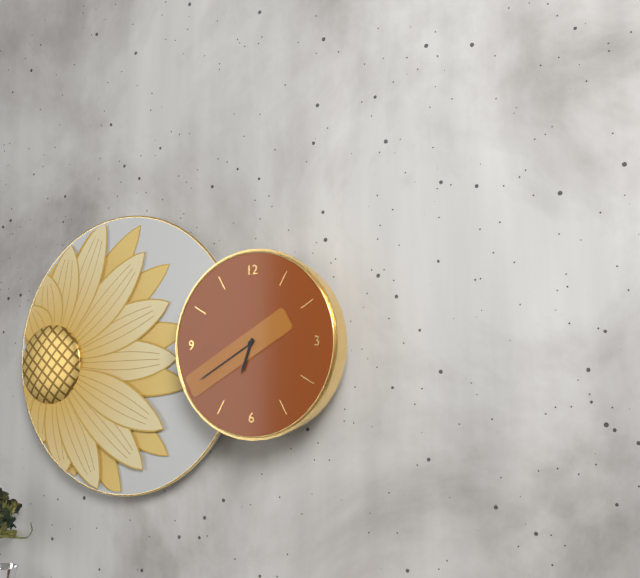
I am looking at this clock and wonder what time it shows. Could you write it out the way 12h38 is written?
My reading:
6h40
